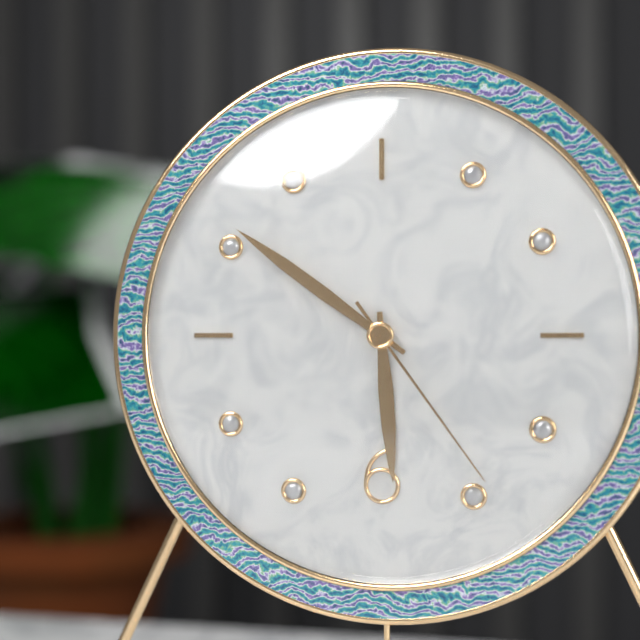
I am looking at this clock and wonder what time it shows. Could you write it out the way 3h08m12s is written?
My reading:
5h51m24s
